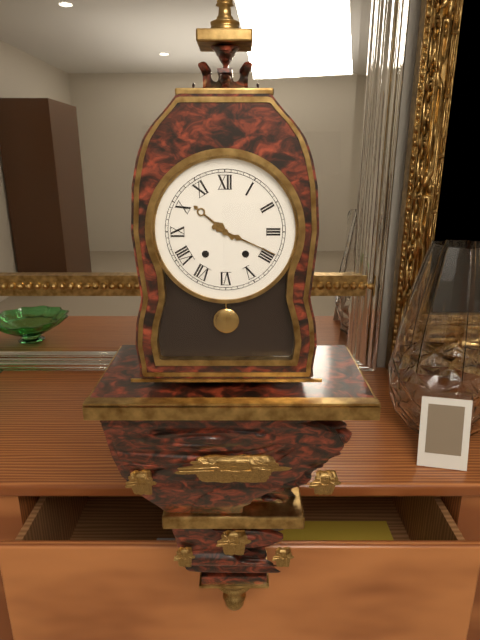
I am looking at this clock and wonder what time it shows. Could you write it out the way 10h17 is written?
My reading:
10h19
